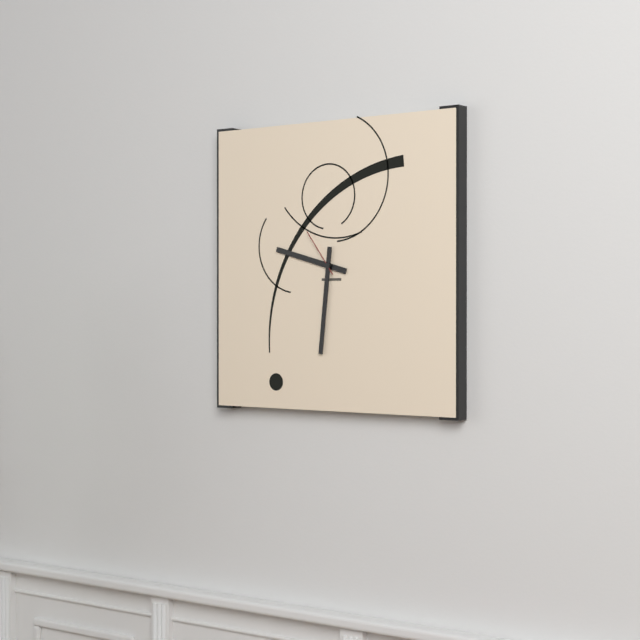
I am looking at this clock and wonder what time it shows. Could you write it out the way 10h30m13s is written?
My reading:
9h31m54s
